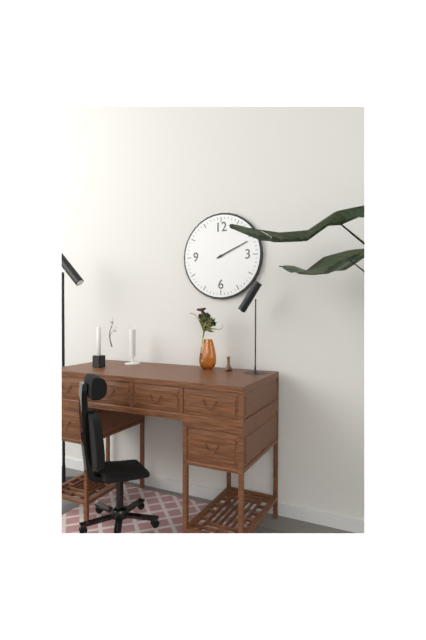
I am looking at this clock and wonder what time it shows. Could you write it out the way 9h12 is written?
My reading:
2h11
